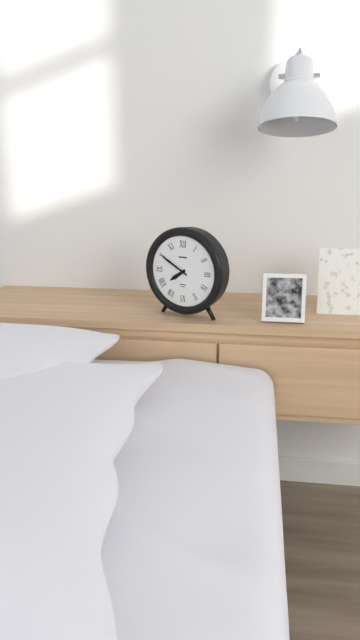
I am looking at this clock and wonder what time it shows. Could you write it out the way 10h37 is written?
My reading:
7h50
